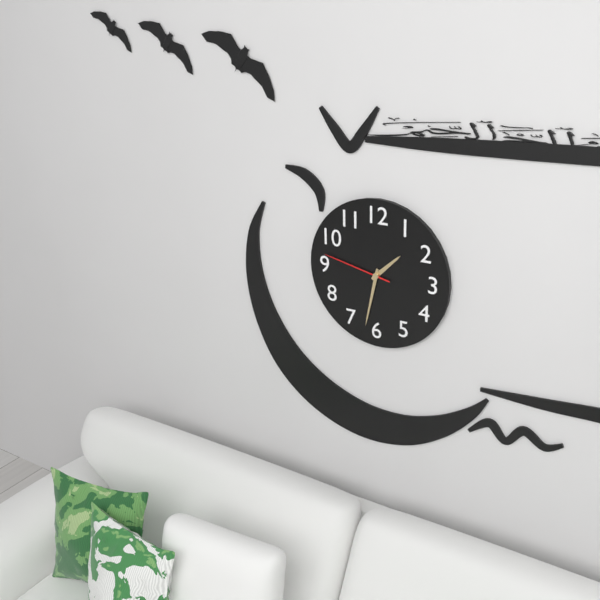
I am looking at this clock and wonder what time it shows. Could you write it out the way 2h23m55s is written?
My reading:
1h32m47s
